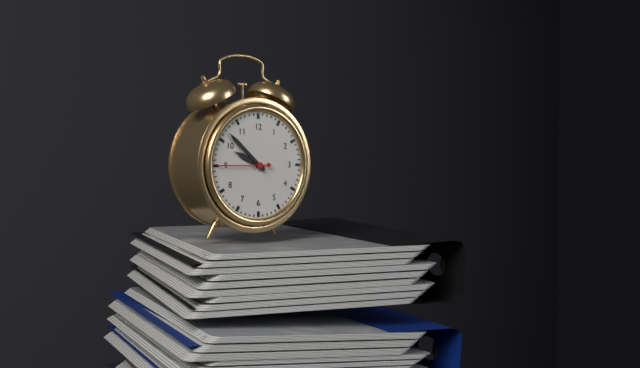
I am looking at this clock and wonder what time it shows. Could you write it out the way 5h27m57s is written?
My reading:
9h52m45s
